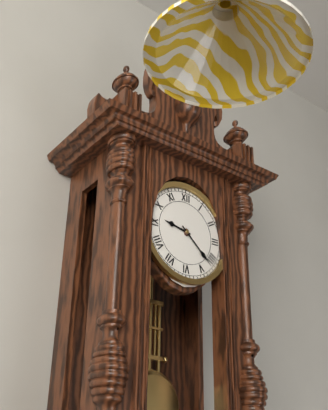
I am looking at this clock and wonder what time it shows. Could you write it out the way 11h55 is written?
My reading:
9h22
